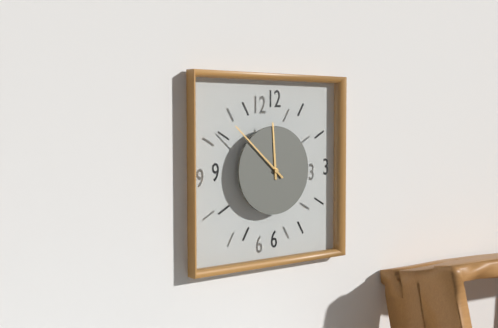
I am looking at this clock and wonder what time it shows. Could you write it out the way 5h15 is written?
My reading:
11h52
